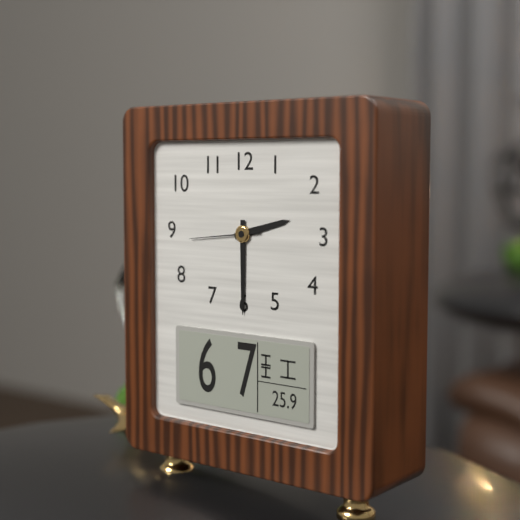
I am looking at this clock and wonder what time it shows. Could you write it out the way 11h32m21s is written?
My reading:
2h30m44s
